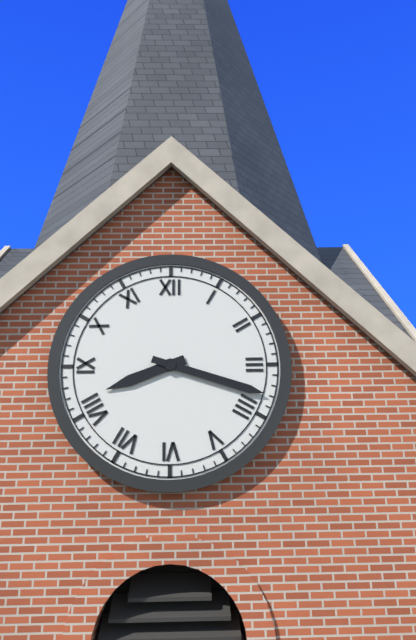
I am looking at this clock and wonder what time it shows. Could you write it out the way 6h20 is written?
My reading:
8h18
